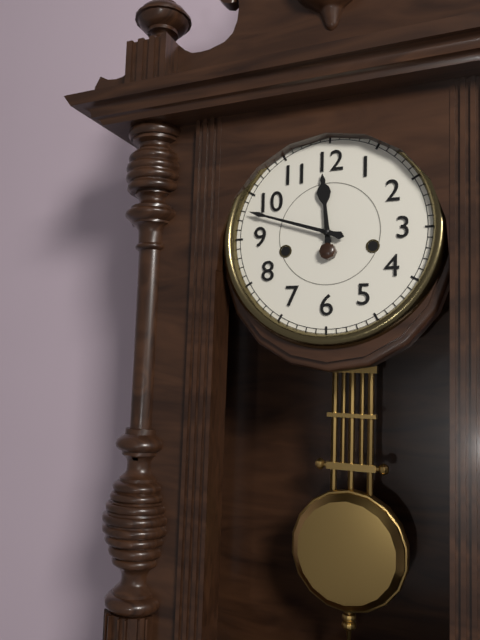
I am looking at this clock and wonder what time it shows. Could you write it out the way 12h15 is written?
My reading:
11h48
